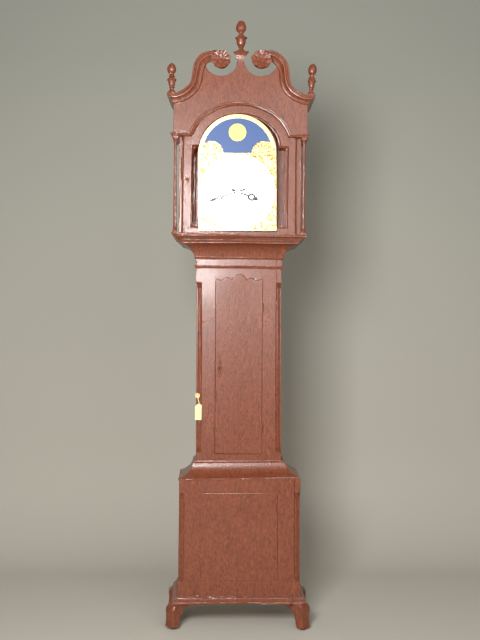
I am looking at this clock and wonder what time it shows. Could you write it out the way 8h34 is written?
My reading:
3h42
